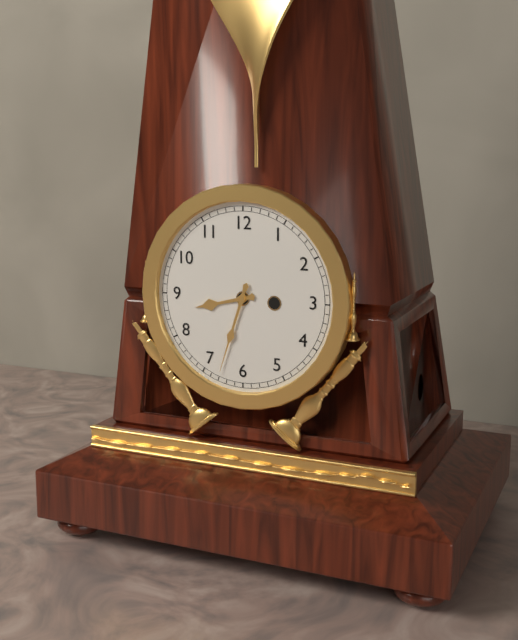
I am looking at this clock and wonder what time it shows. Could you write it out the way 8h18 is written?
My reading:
8h33
